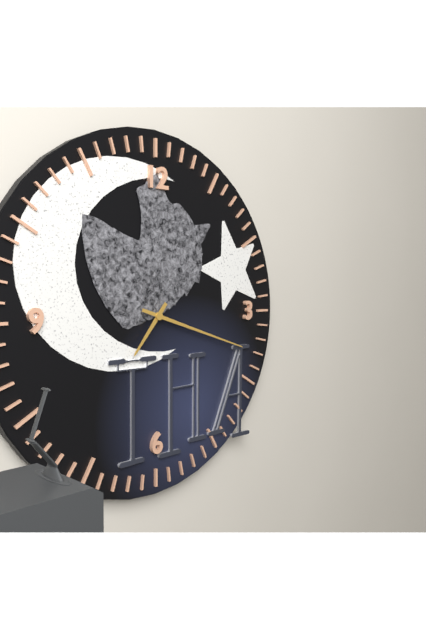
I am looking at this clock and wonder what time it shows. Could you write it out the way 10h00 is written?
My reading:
7h18
